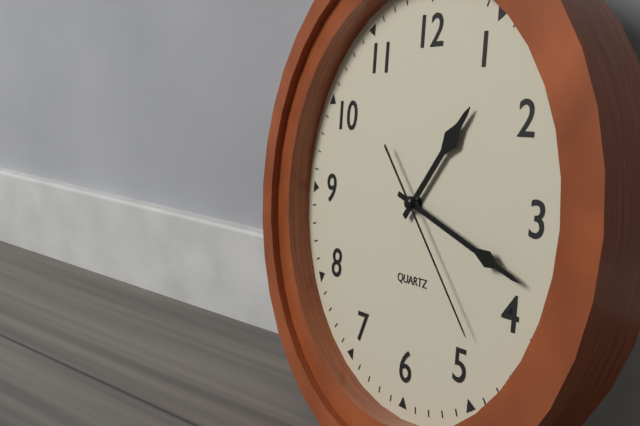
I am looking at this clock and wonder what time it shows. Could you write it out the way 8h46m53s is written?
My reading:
1h18m23s
